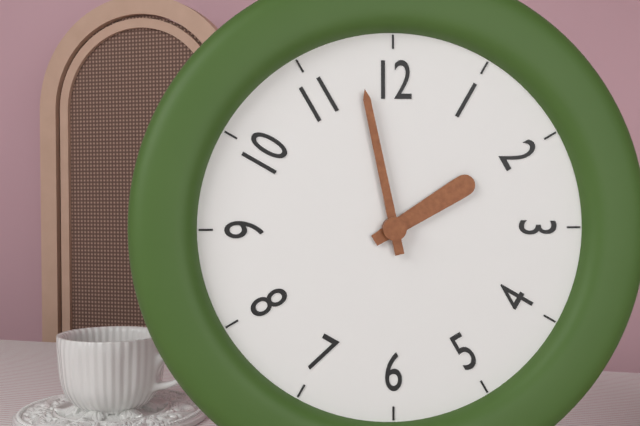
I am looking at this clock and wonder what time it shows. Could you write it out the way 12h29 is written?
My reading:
1h58
